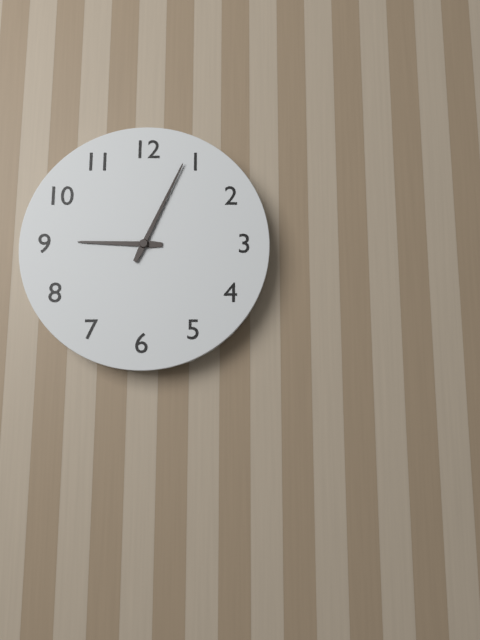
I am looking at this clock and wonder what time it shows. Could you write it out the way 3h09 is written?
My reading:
9h04
